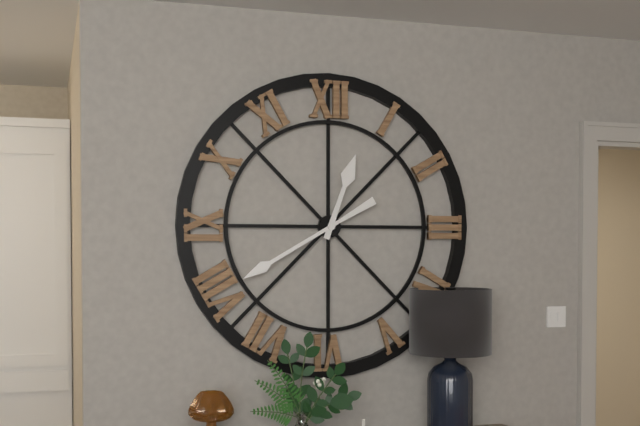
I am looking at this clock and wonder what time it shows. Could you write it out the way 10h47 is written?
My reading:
12h40
